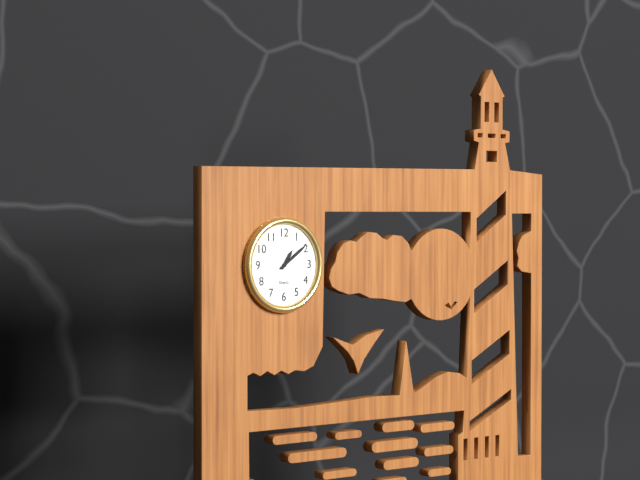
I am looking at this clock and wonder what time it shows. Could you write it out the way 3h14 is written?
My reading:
1h09
